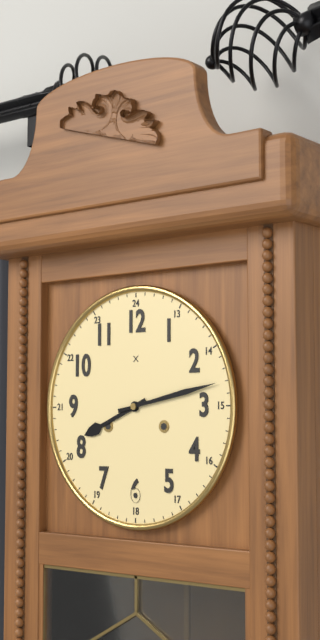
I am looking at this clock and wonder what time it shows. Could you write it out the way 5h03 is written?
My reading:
8h13
